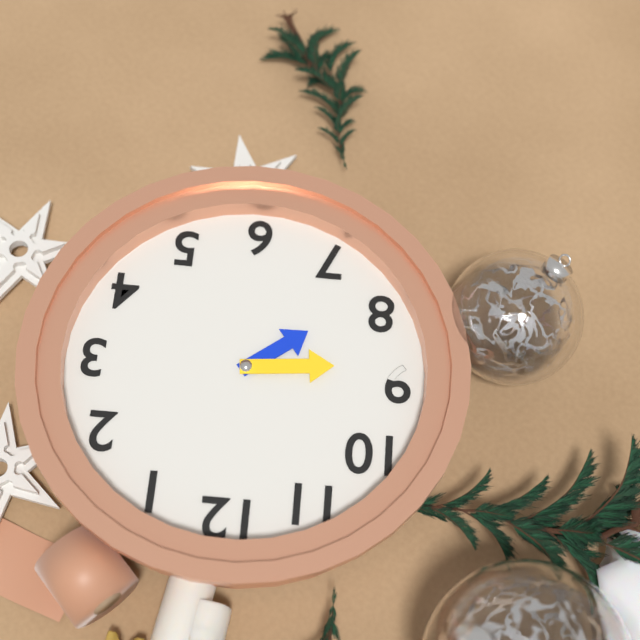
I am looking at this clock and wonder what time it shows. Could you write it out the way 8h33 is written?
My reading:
7h44
